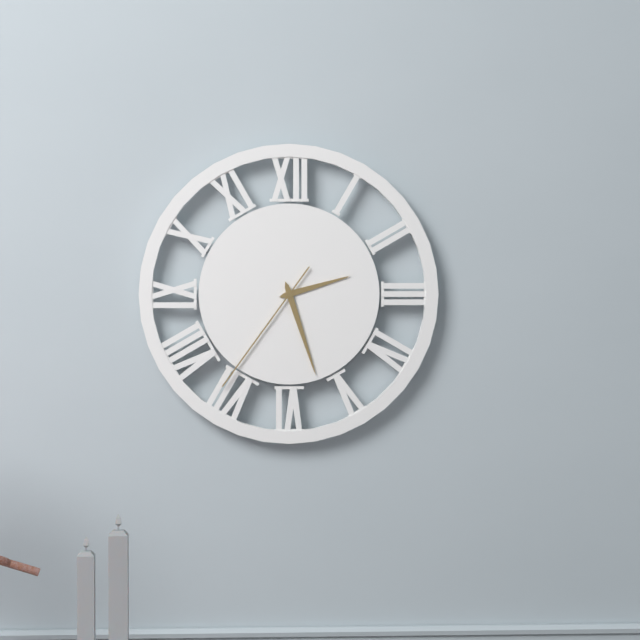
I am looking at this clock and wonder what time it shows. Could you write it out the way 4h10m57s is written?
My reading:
2h27m36s
